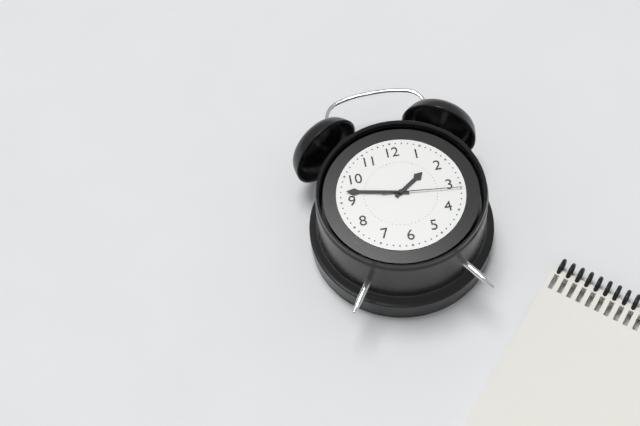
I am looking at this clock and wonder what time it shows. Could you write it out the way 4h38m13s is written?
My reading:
1h47m16s
